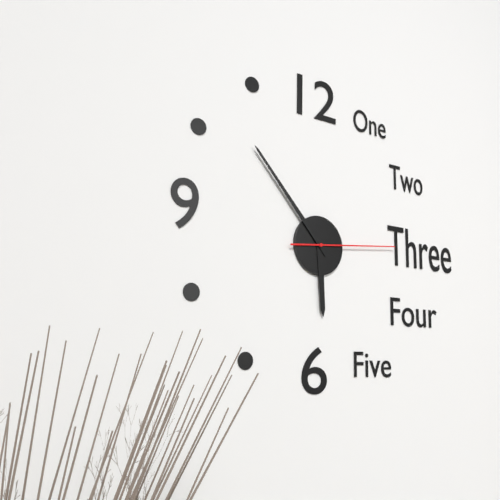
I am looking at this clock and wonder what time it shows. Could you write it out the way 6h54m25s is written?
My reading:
5h53m14s
